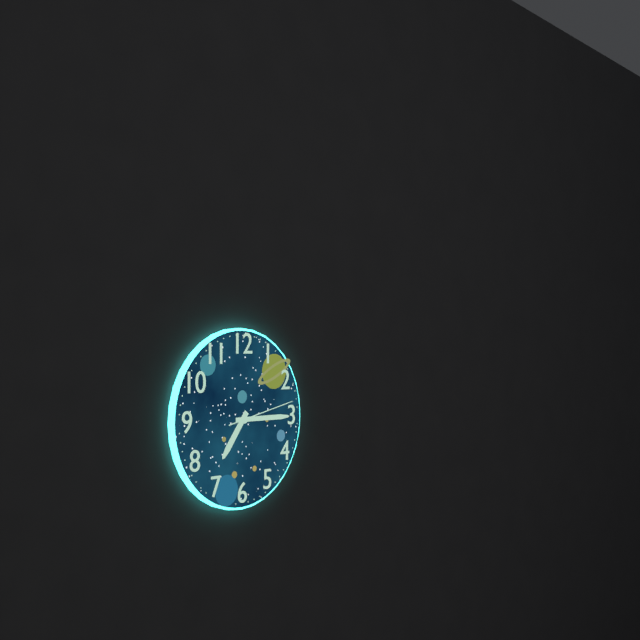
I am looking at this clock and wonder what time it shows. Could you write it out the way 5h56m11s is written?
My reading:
7h15m13s
